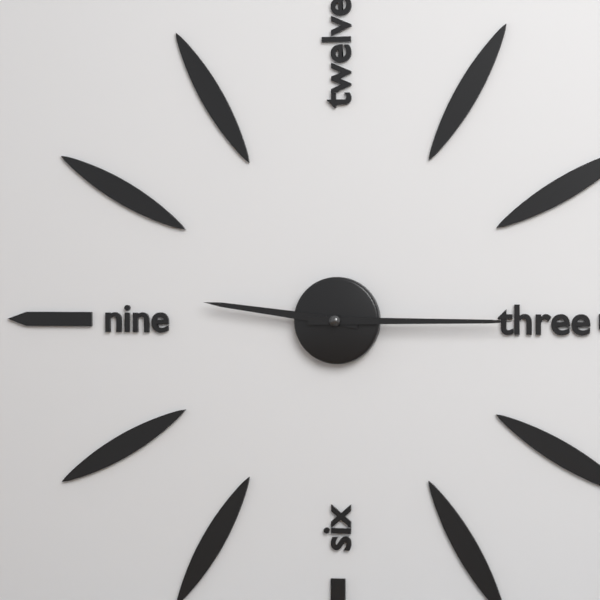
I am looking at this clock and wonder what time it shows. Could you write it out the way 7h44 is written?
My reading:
9h15
